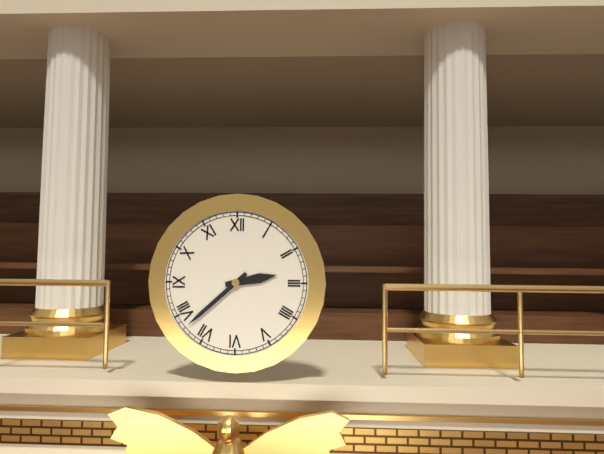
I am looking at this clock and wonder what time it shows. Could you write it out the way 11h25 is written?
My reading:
2h38
